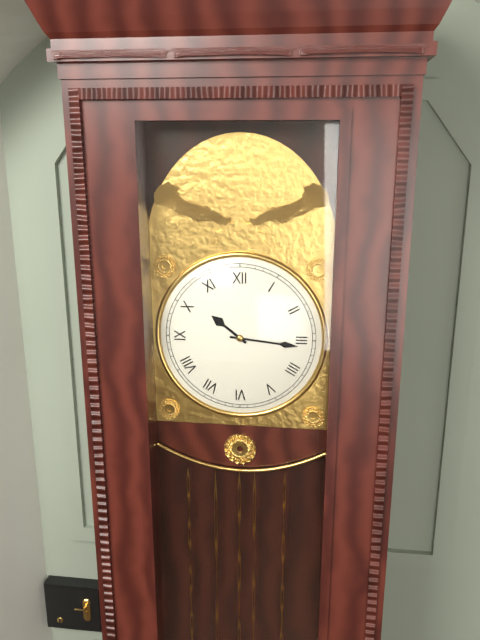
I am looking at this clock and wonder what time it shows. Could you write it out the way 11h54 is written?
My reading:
10h16
